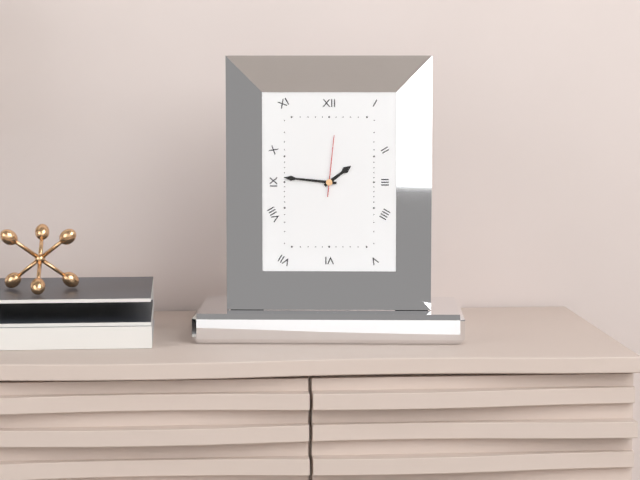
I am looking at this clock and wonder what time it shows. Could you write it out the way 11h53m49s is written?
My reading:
1h46m01s
